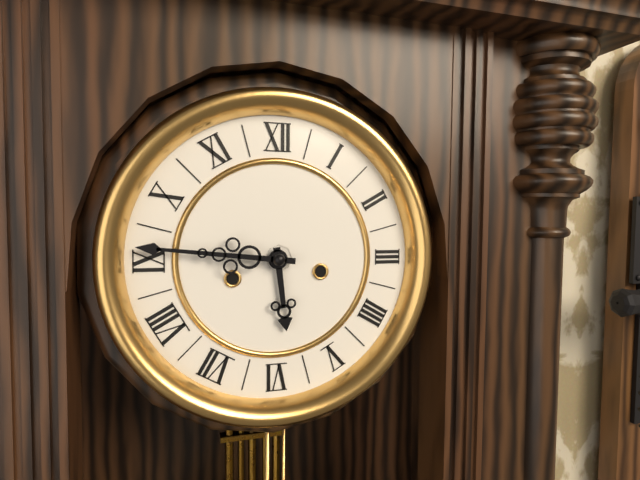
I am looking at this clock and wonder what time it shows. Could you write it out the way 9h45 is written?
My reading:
5h46
